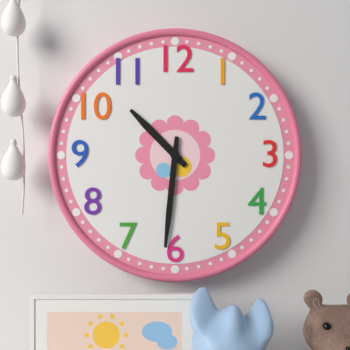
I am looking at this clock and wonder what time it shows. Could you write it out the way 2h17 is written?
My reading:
10h31
